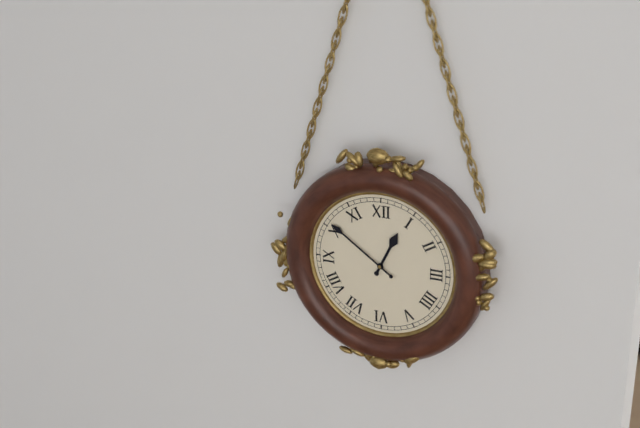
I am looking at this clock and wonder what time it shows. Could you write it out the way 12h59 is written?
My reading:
12h51
